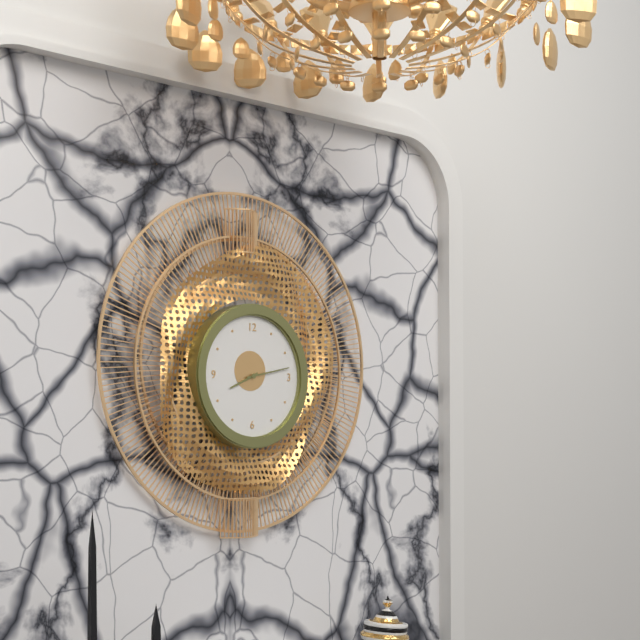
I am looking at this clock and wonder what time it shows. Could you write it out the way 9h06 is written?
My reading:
8h13
